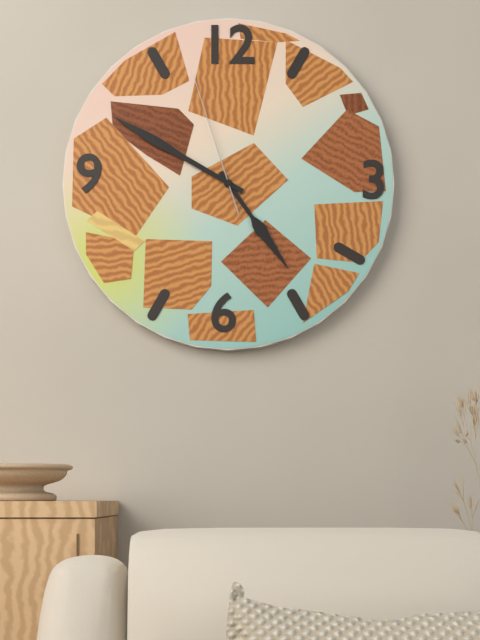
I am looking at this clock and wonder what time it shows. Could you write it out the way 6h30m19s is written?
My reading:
4h50m57s
